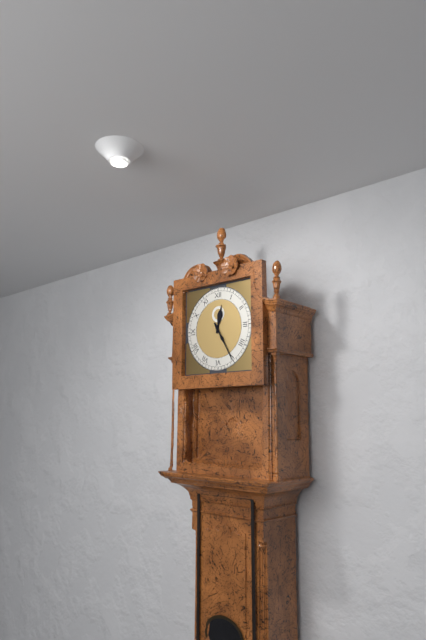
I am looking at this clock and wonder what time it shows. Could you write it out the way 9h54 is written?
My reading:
12h25
